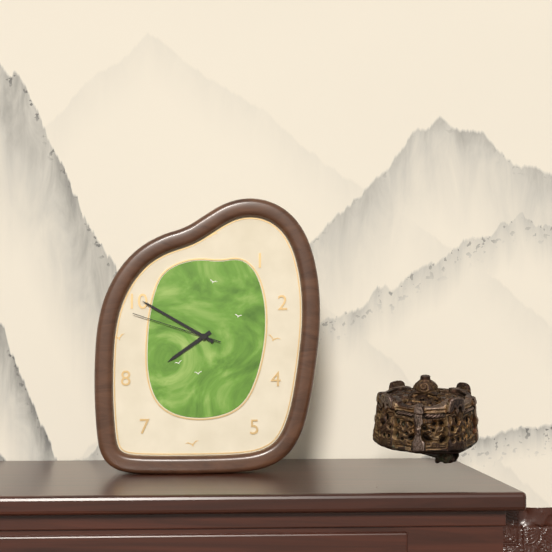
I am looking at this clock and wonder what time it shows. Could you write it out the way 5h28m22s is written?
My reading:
7h50m48s
